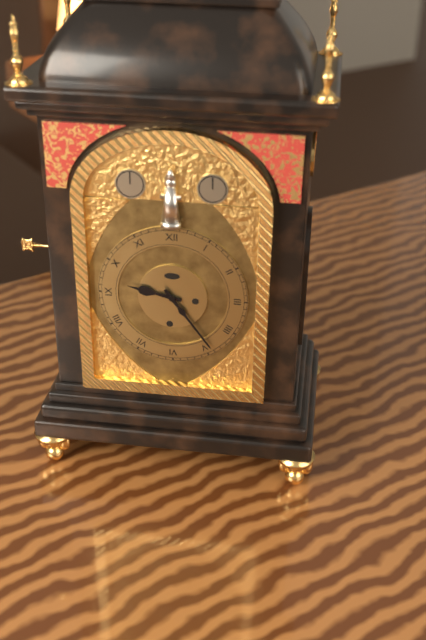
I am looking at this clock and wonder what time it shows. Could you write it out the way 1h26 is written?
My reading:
9h24
